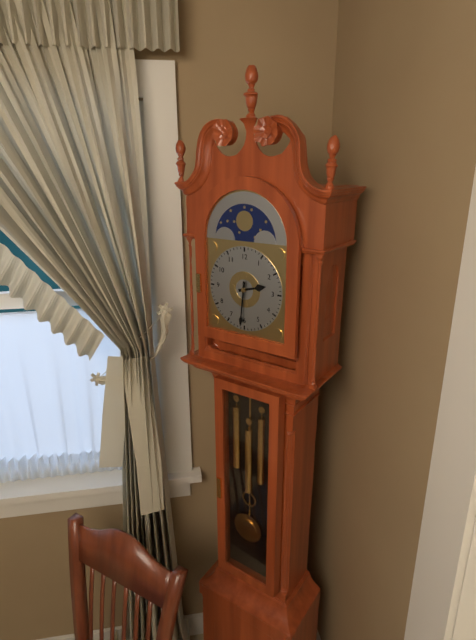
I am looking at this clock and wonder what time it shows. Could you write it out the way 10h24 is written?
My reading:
2h31
